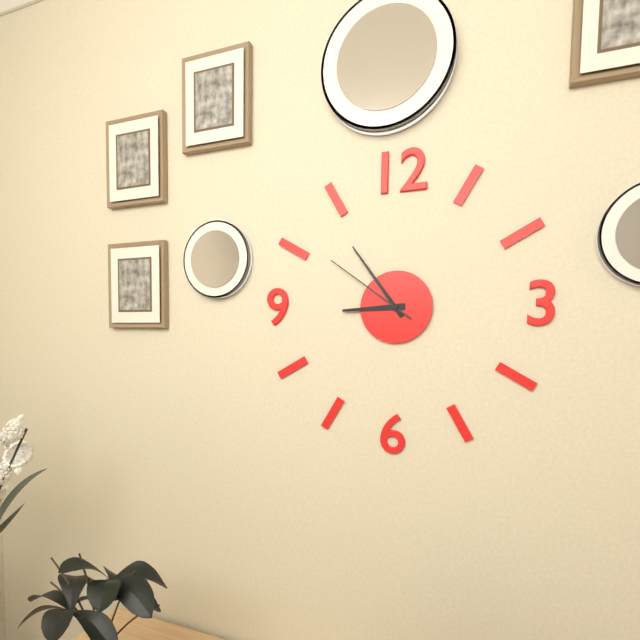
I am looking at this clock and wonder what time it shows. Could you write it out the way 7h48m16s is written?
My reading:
8h54m51s
